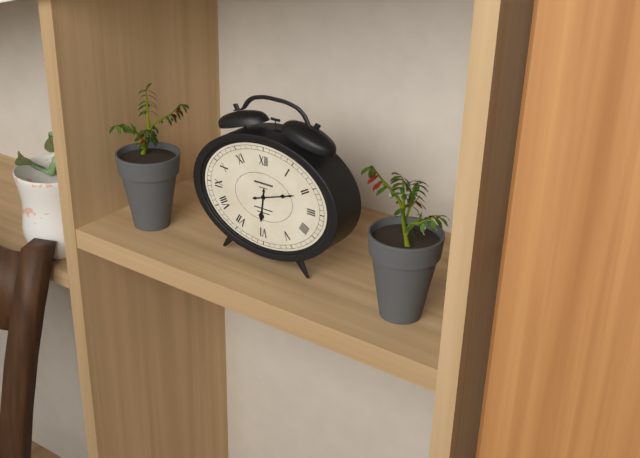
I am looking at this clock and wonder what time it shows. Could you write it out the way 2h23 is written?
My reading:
6h12
